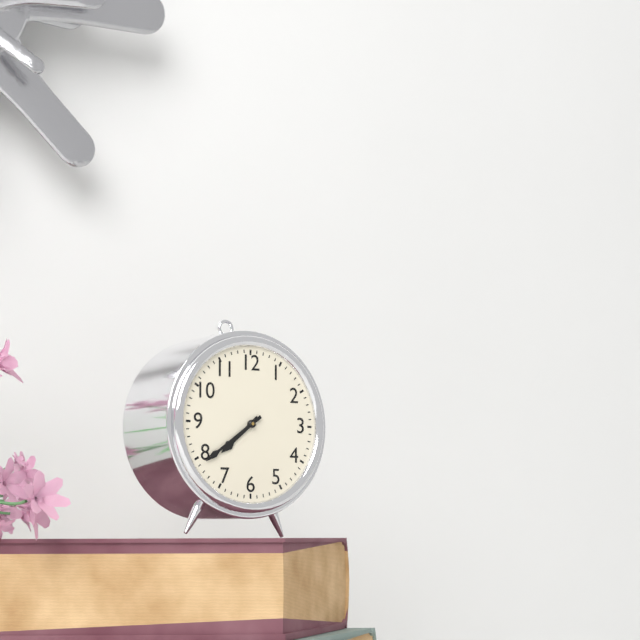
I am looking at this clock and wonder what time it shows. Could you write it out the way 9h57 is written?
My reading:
7h39
